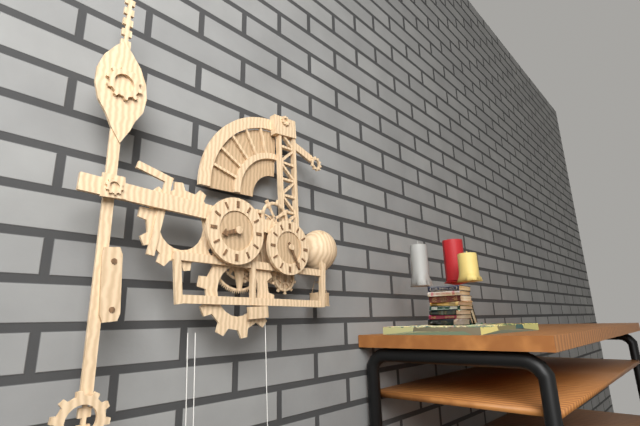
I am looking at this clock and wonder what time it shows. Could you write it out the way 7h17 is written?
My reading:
8h25
